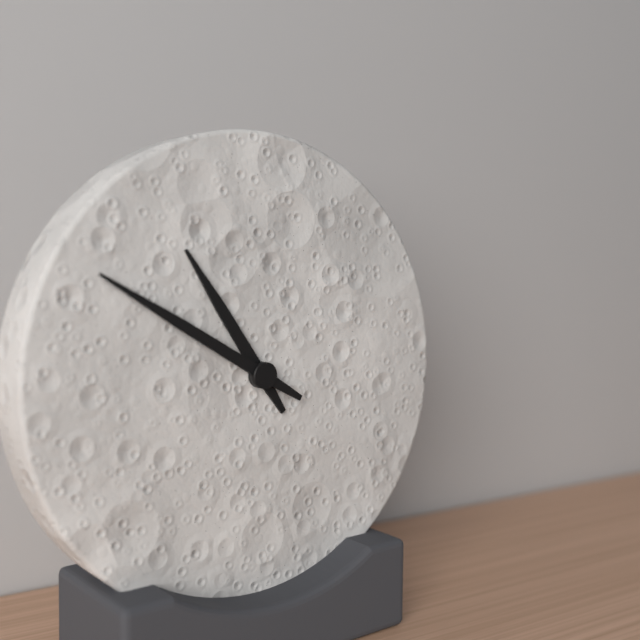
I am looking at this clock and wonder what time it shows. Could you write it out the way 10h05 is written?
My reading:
10h50
